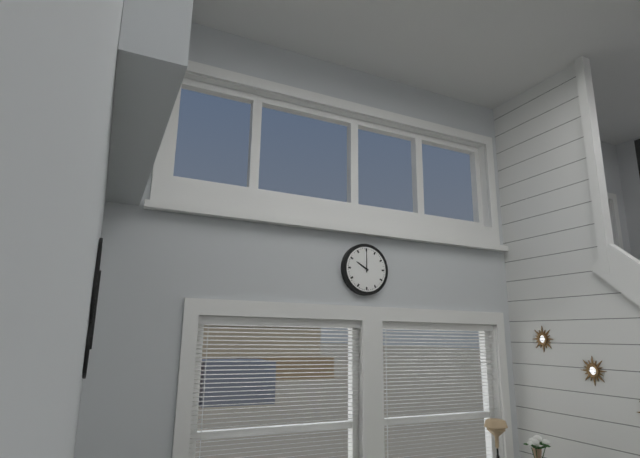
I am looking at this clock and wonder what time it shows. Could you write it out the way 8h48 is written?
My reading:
10h00
